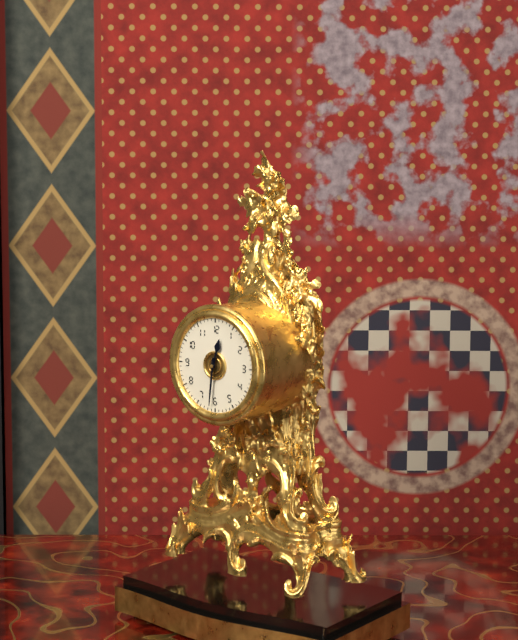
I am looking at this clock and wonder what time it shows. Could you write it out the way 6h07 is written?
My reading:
12h31
